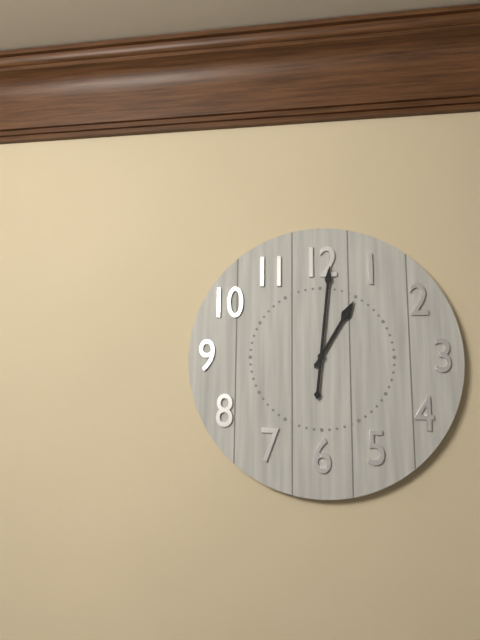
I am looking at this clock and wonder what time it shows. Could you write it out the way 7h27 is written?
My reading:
1h01
